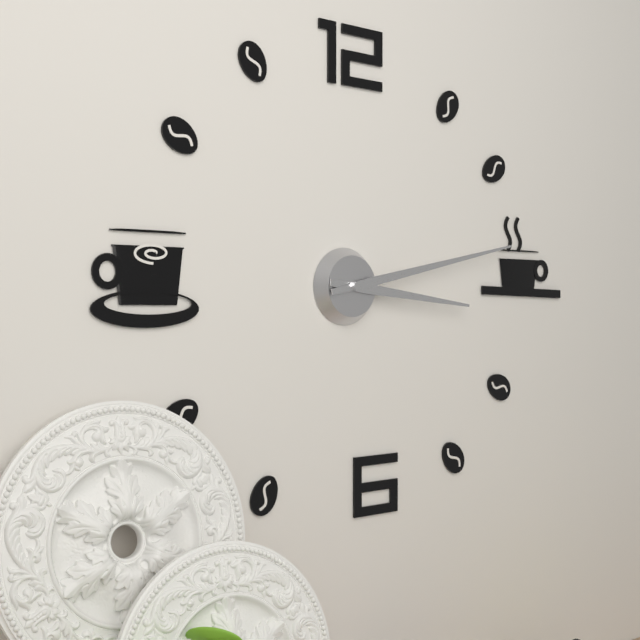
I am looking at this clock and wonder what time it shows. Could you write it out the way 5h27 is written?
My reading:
3h13
